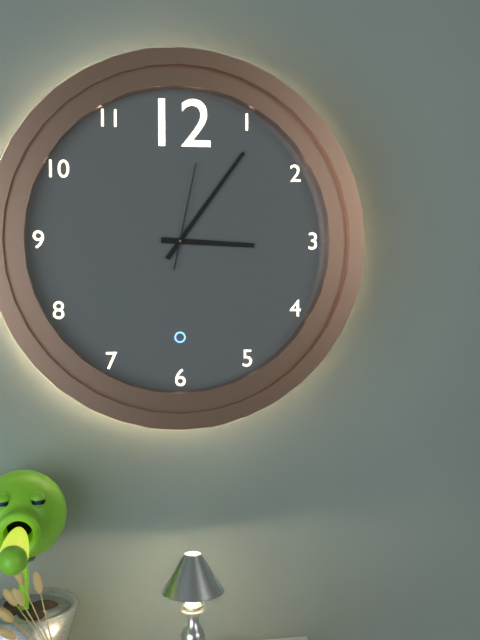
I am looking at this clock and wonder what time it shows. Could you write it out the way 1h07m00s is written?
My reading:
3h06m02s
